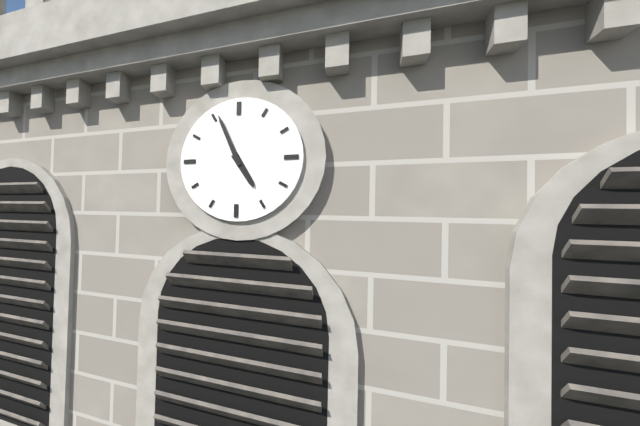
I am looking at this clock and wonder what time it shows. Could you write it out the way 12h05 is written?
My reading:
4h56
